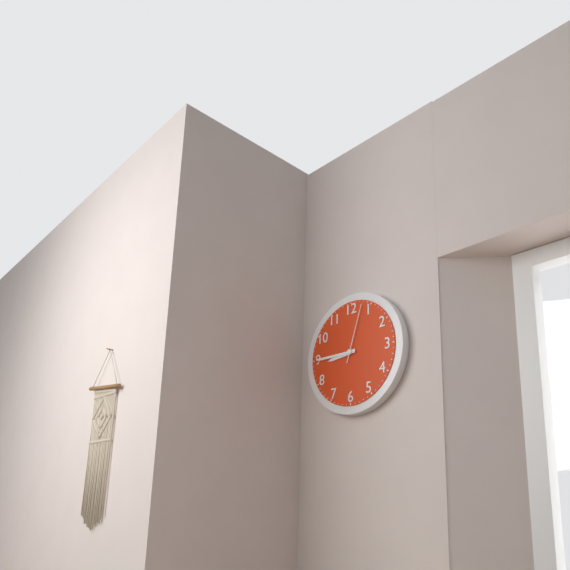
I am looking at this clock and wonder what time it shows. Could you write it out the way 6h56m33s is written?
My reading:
8h45m03s
